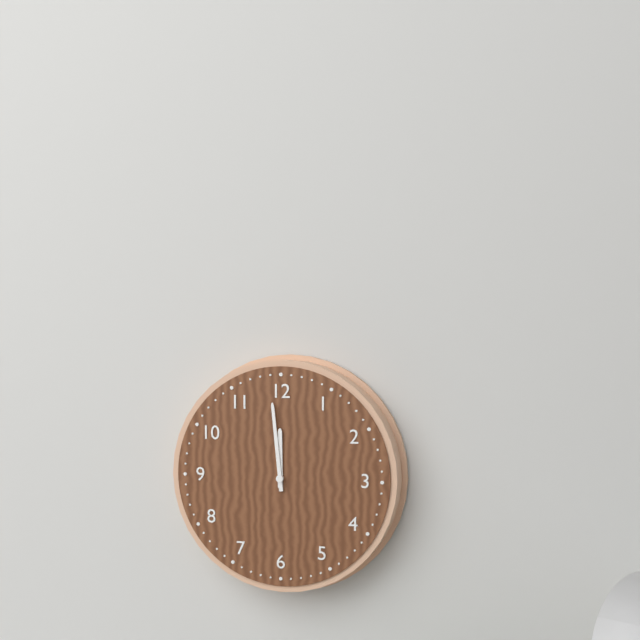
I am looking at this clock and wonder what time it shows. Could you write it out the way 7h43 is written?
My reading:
11h59
